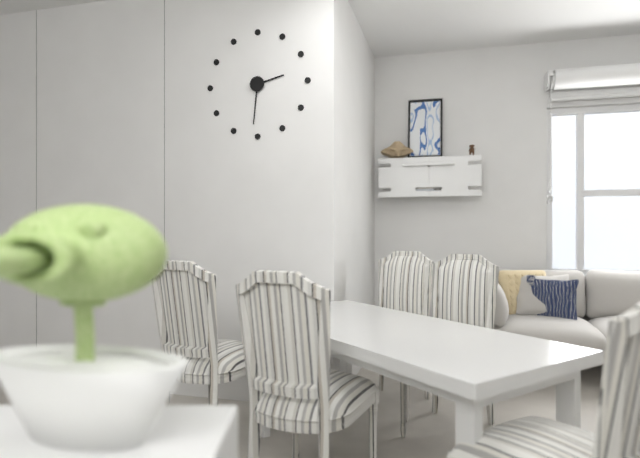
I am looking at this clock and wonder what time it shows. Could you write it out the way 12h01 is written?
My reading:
2h31
